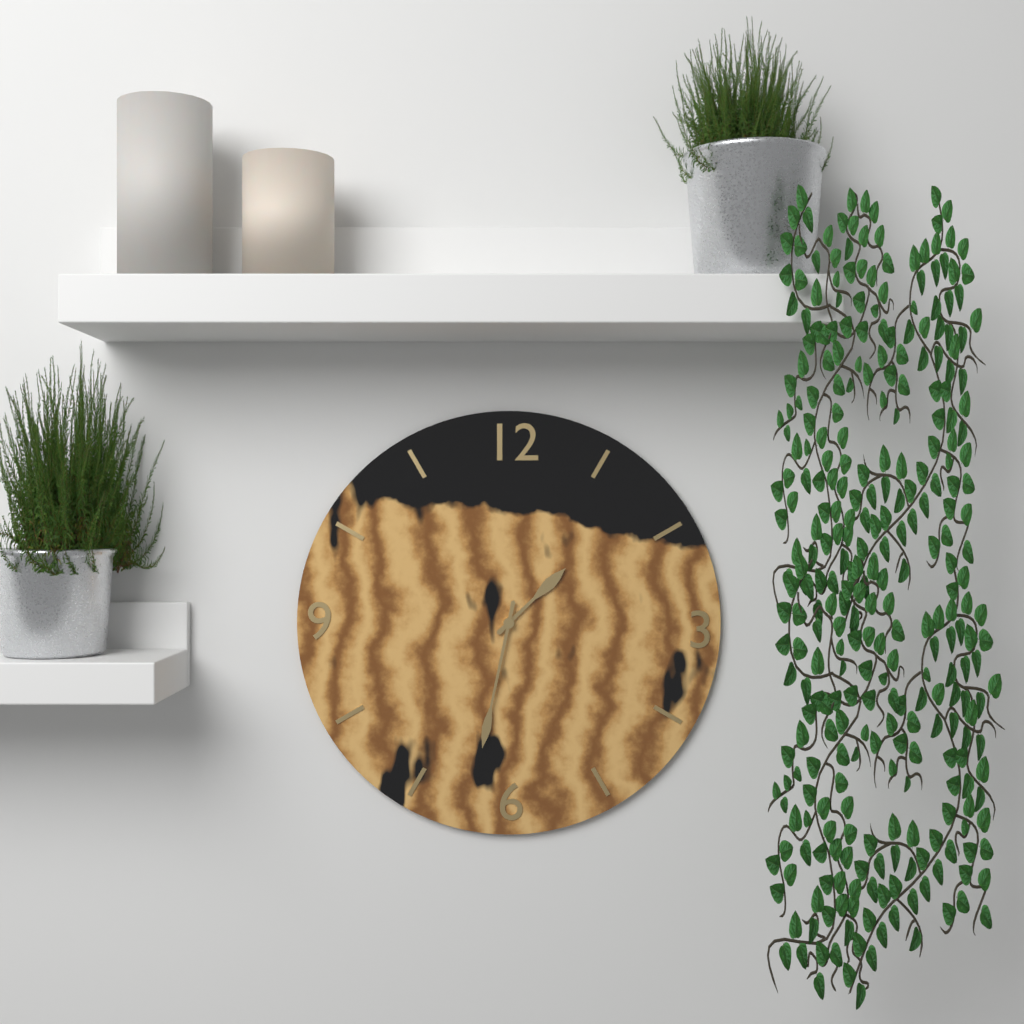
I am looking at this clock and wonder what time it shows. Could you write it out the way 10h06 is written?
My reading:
1h32
